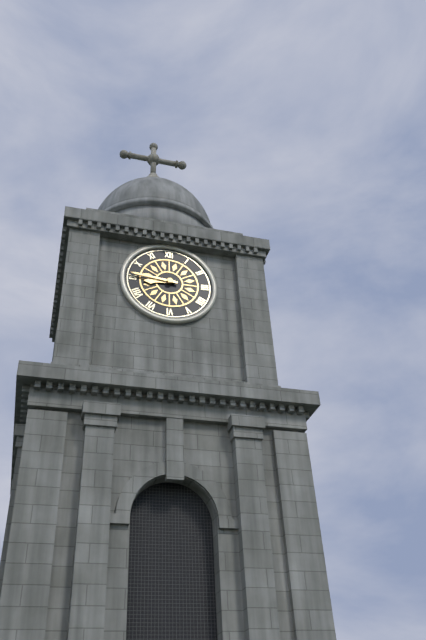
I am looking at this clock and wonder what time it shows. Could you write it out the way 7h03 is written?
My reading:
8h46
